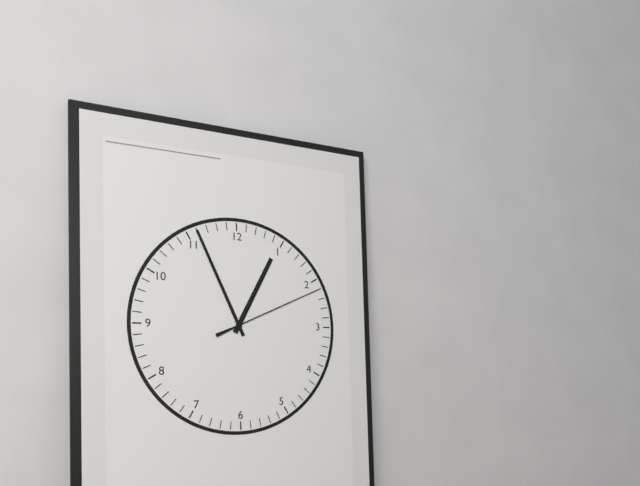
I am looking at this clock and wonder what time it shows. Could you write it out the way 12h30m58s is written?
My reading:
12h56m11s
